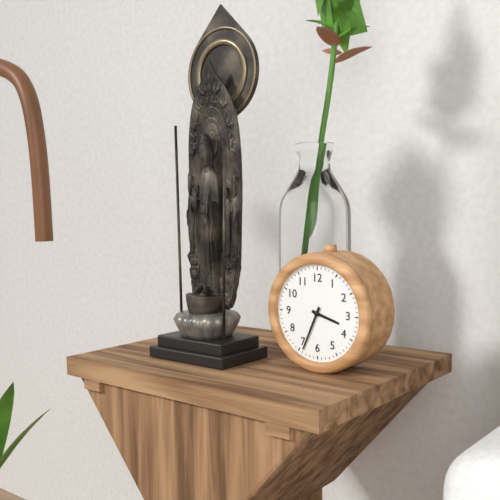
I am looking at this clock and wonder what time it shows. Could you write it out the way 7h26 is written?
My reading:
3h34
